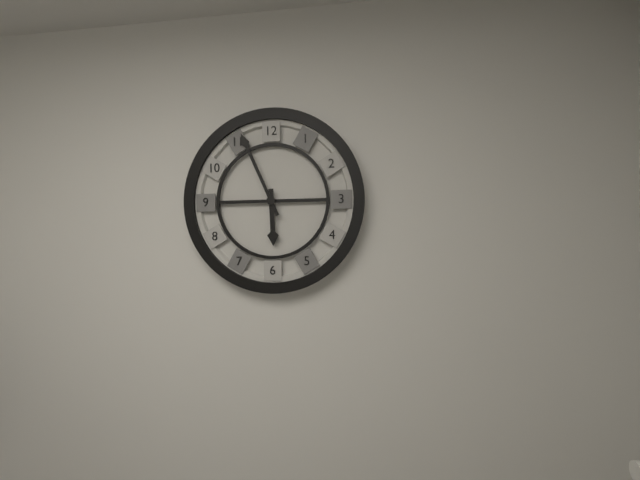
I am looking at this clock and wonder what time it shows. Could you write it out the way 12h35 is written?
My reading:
5h56
